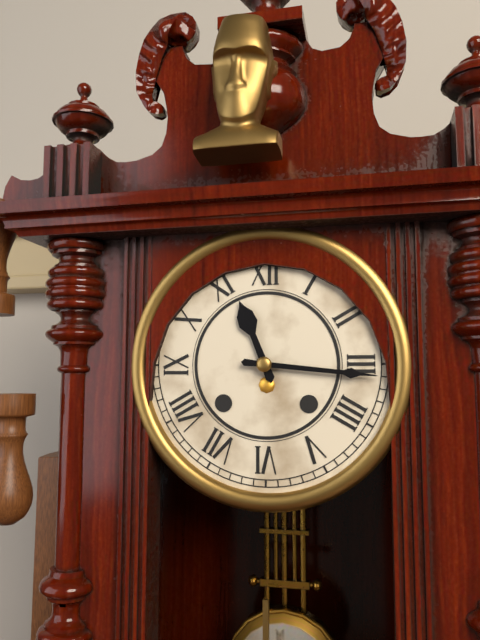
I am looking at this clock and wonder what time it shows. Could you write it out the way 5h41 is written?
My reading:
11h16
